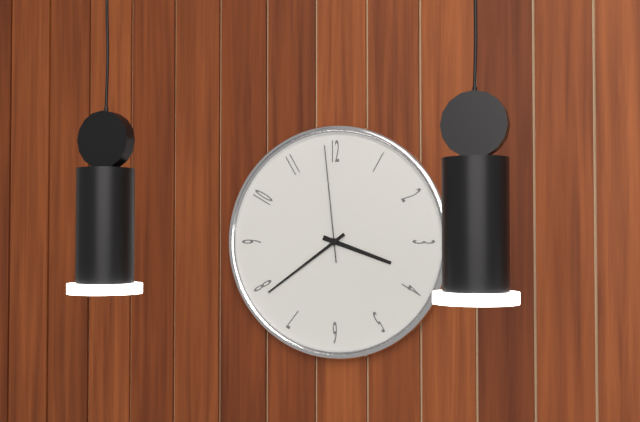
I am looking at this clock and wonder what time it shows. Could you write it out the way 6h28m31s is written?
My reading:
3h39m59s
